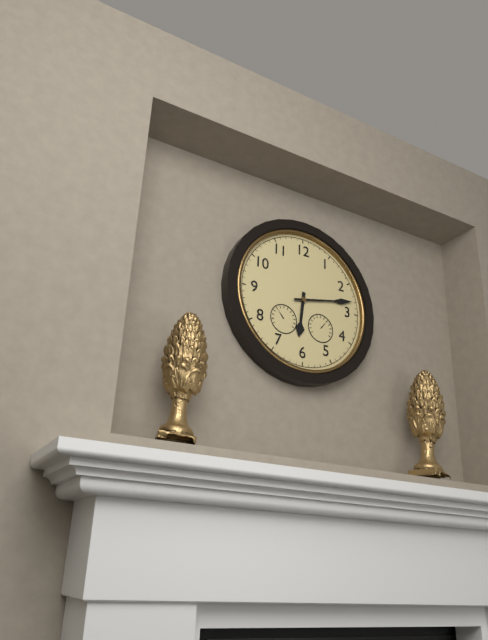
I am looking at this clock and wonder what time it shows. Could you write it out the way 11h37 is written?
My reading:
6h13
